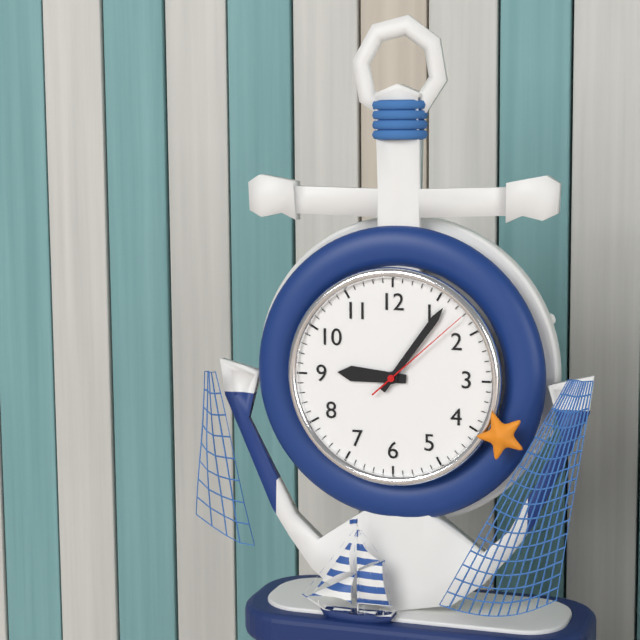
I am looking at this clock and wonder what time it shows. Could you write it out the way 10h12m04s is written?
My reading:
9h06m08s
